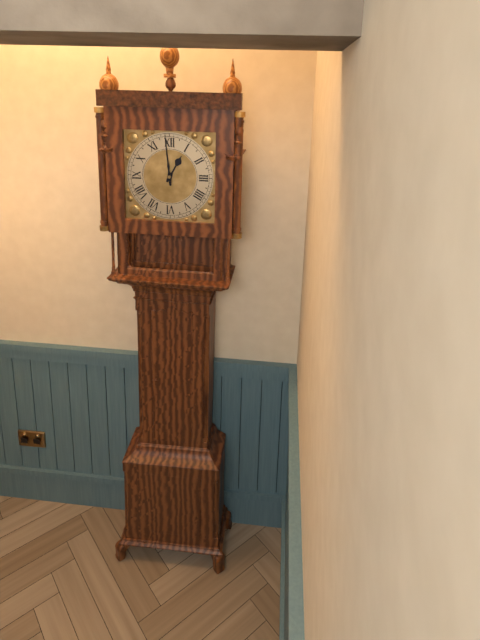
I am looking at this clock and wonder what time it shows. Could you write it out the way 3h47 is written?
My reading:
12h59
